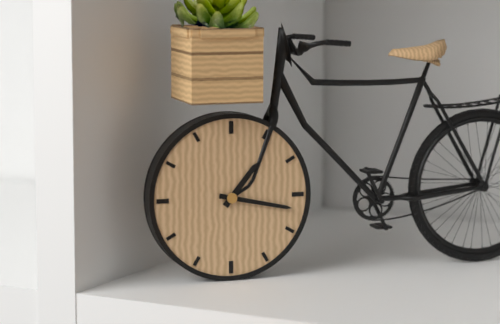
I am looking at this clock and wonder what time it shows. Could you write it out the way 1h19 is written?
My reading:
1h17
